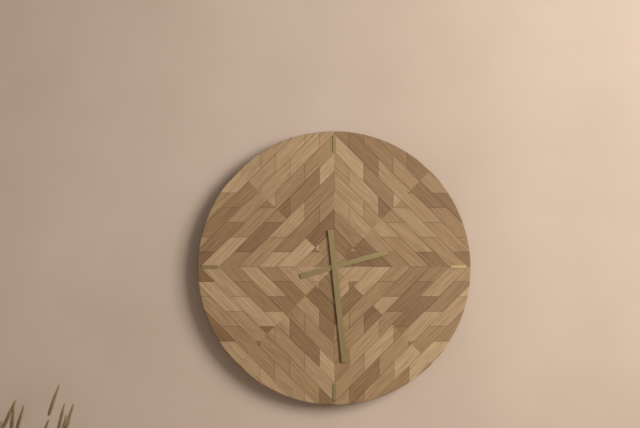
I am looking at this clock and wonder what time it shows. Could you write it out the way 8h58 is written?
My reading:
2h29
